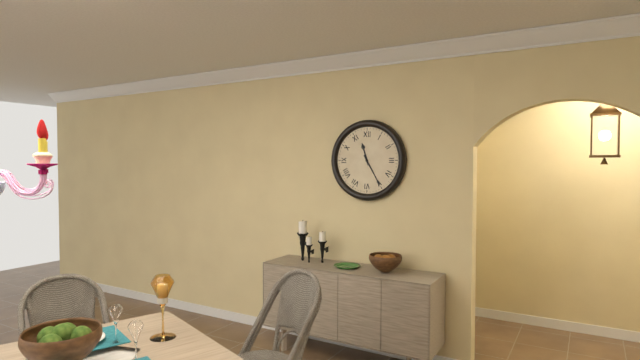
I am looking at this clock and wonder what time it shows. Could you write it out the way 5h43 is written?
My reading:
11h25
